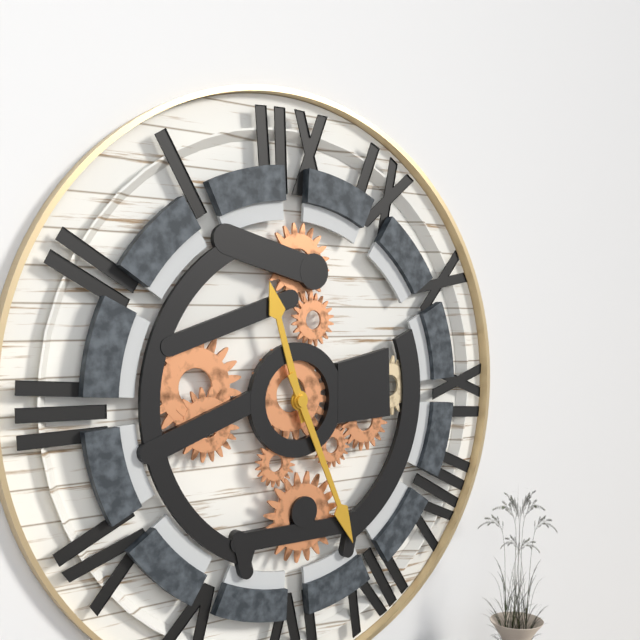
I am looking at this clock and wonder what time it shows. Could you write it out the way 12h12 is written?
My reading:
11h26
